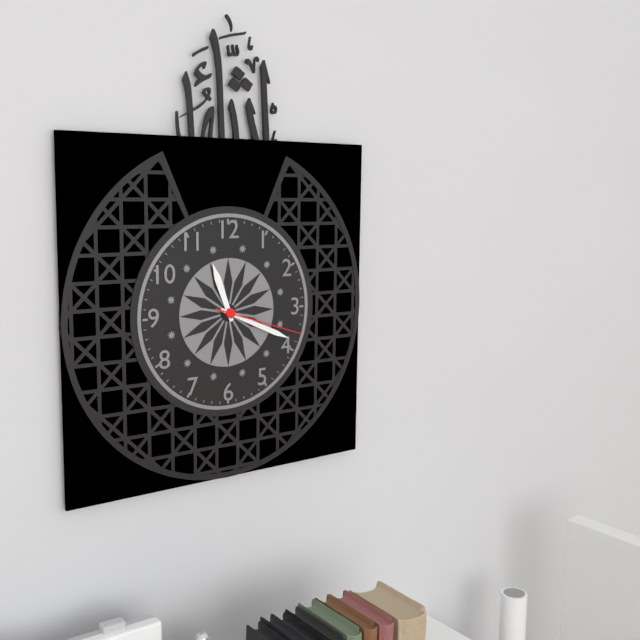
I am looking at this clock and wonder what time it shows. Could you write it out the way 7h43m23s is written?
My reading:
11h19m18s
